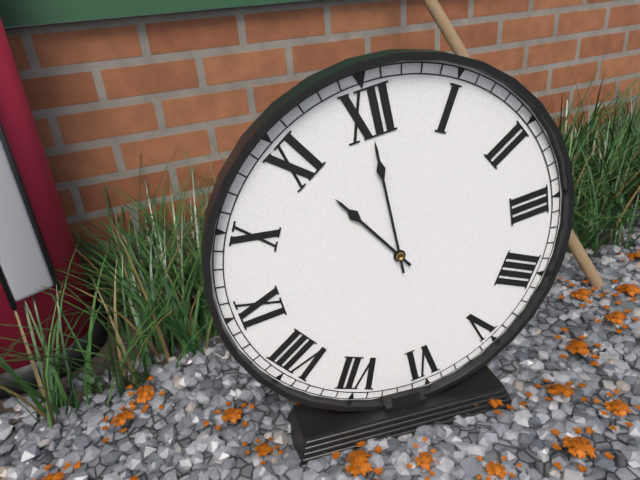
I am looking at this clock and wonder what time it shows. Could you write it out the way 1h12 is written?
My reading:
11h00
